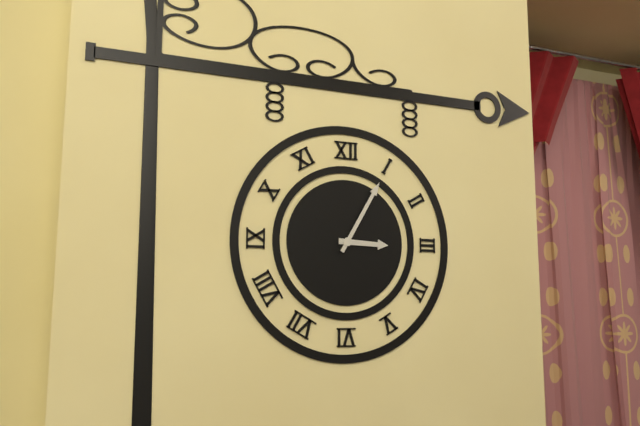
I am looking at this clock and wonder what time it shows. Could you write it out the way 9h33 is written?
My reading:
3h05
